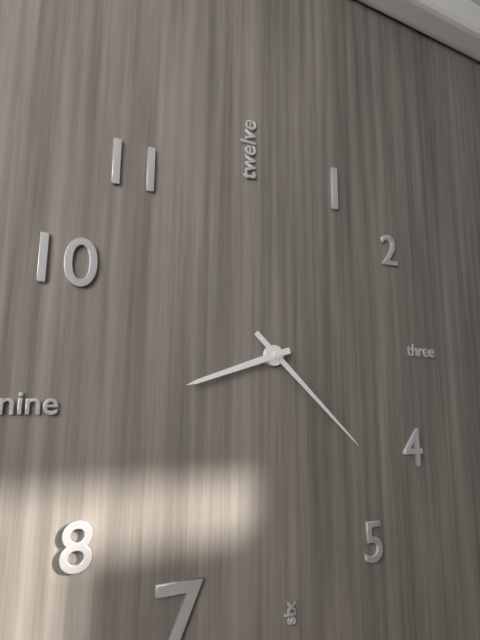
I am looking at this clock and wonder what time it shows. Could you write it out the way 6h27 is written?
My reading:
8h22
